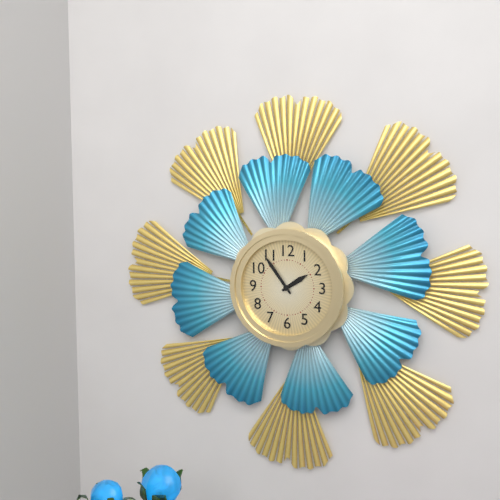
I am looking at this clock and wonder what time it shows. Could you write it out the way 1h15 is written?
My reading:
1h54
